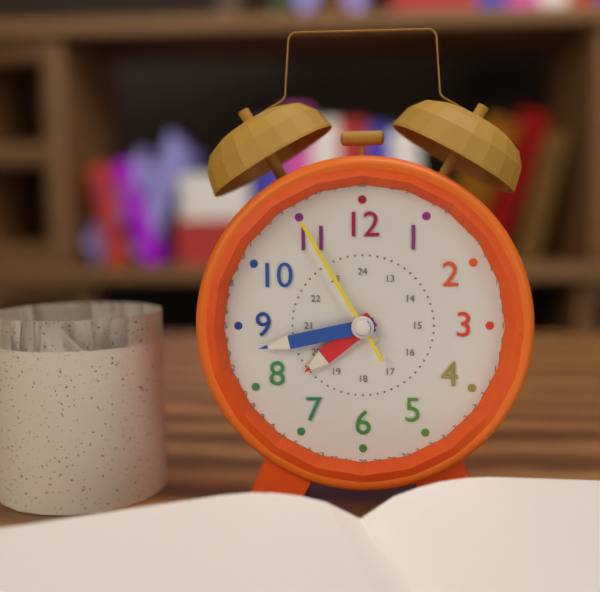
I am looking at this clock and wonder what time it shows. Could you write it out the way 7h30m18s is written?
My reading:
7h43m55s
